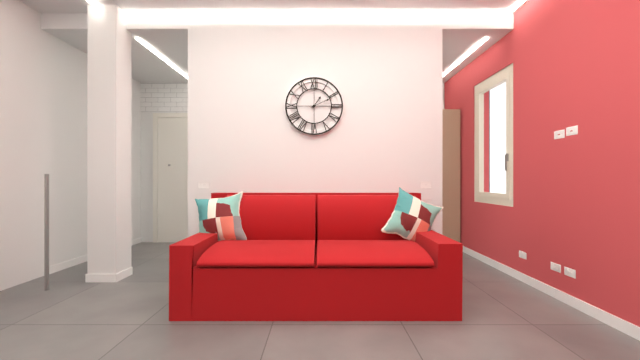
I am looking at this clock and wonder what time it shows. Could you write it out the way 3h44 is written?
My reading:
1h11
